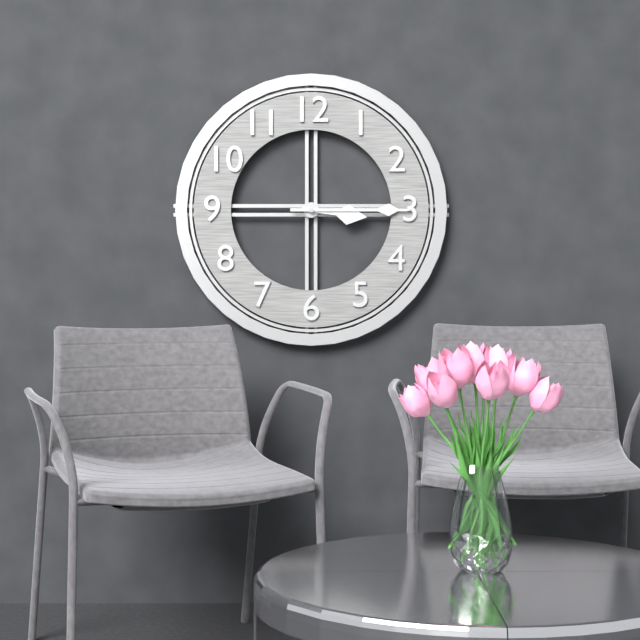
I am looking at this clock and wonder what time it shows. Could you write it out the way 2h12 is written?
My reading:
3h15
